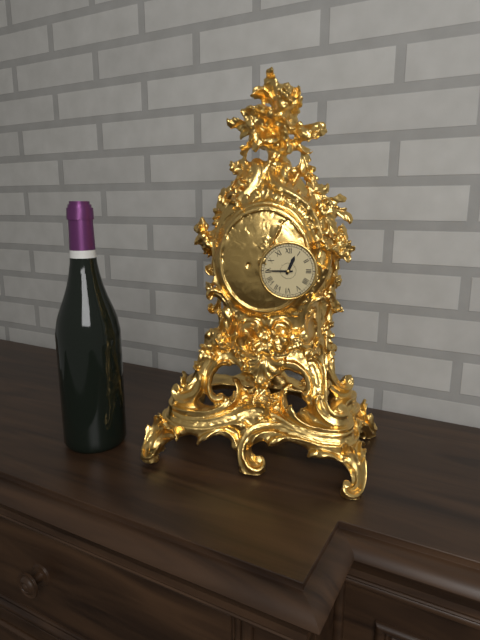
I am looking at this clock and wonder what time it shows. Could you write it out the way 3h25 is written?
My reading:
12h45
